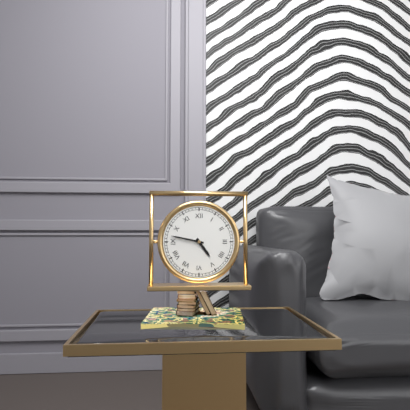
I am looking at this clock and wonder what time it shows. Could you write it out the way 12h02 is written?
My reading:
4h47
